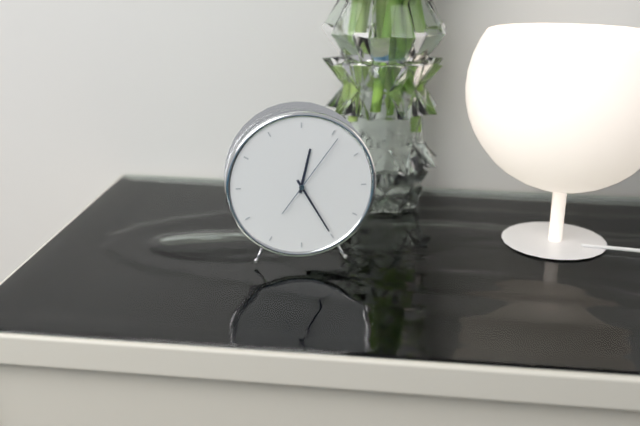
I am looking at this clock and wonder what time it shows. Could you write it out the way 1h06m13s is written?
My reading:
12h25m06s
